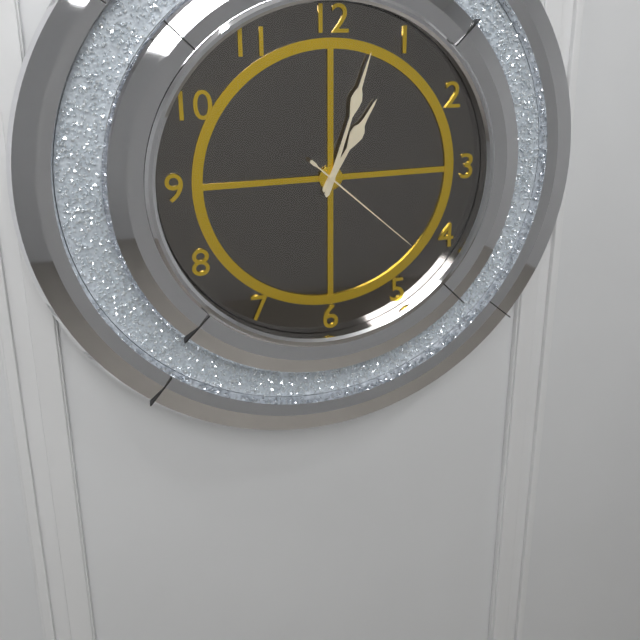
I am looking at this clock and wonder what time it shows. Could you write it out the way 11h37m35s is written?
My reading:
1h03m22s
